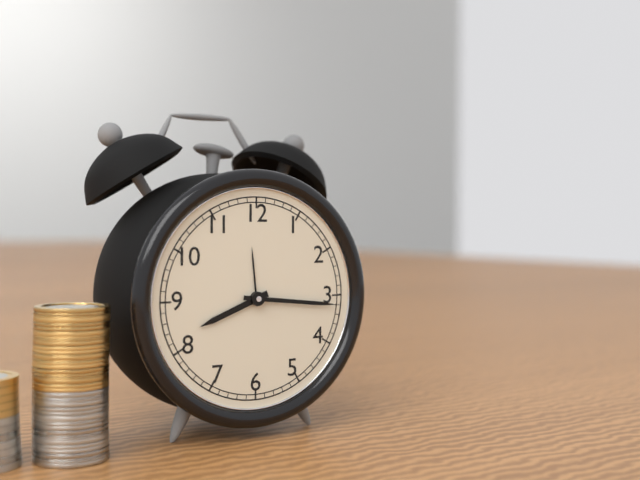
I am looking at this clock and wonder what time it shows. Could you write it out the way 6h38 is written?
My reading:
8h16
